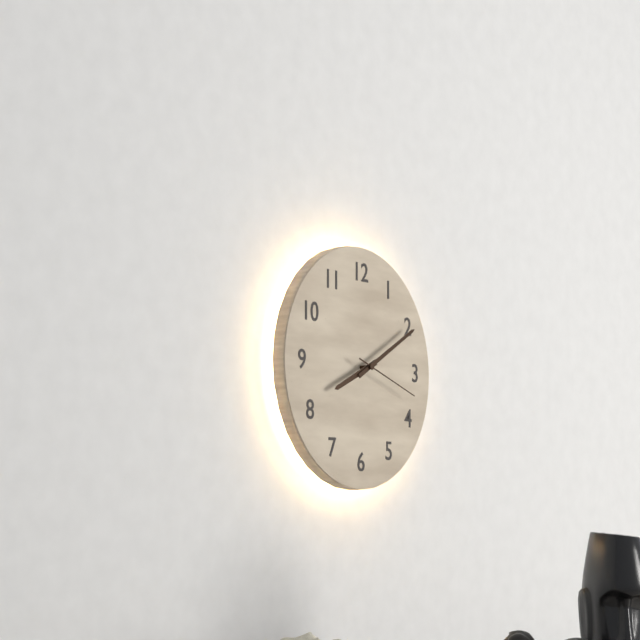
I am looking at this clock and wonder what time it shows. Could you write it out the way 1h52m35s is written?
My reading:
8h10m18s
